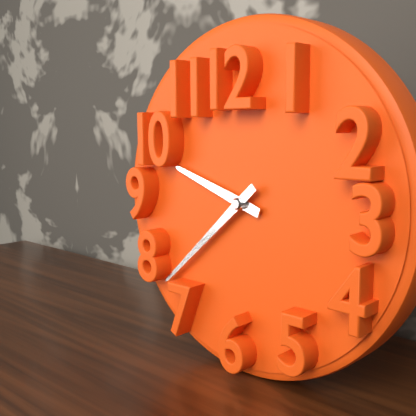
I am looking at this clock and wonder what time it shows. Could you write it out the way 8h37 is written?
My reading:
9h38
